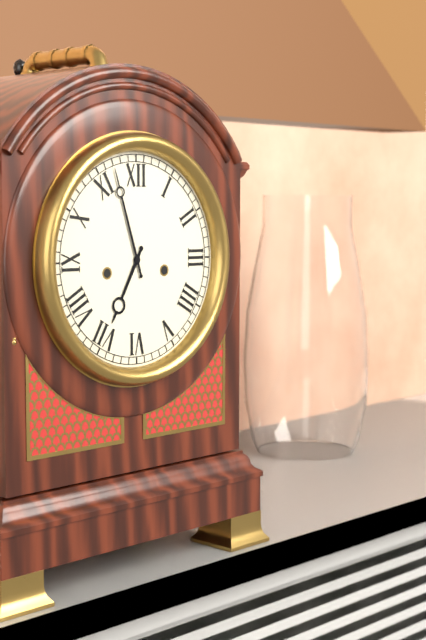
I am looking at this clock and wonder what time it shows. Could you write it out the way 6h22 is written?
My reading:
6h57
